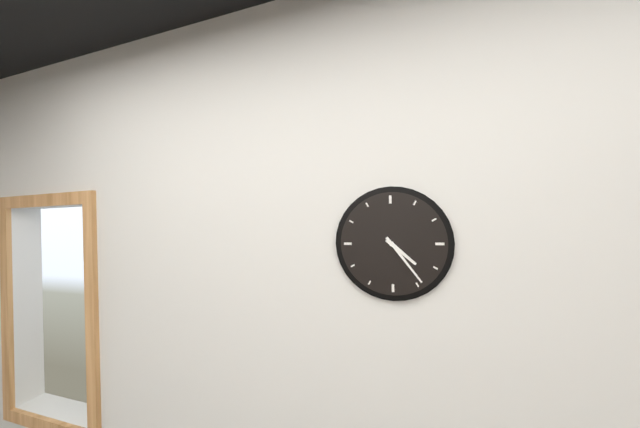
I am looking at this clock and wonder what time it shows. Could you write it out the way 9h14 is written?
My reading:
4h24
